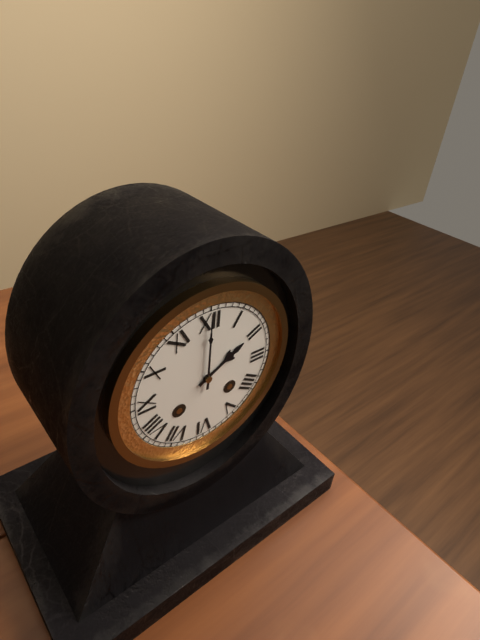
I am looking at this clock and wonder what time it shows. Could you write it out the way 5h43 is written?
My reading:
2h00
